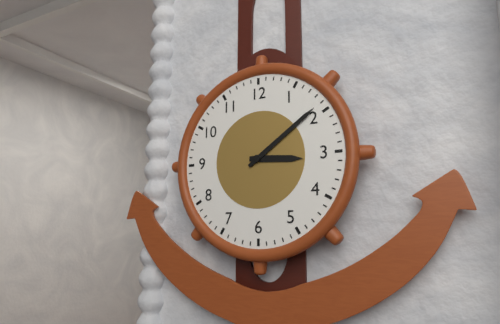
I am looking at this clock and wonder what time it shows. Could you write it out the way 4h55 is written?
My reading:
3h09
